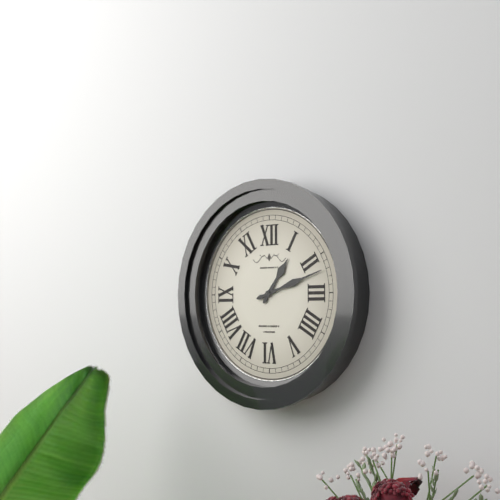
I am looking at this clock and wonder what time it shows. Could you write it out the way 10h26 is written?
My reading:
1h12
